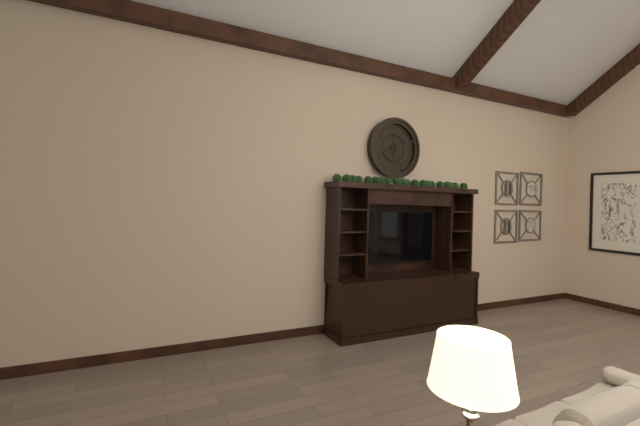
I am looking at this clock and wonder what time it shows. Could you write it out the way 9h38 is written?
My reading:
8h11
